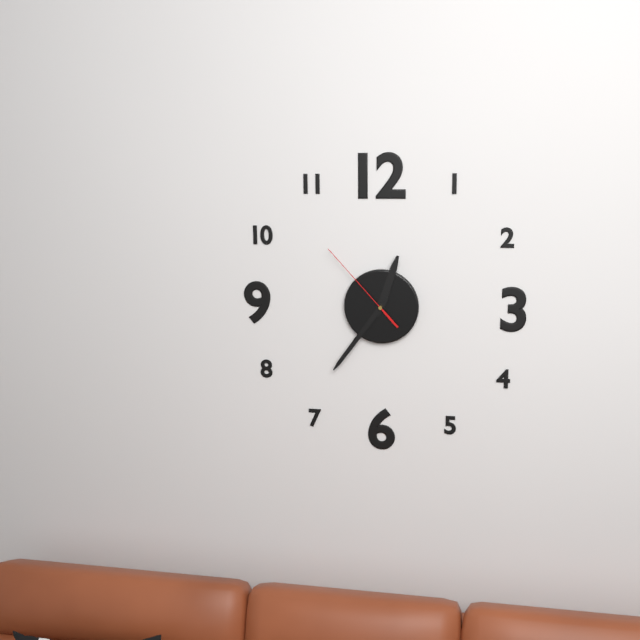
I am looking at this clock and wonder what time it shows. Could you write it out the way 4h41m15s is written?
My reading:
12h36m53s
